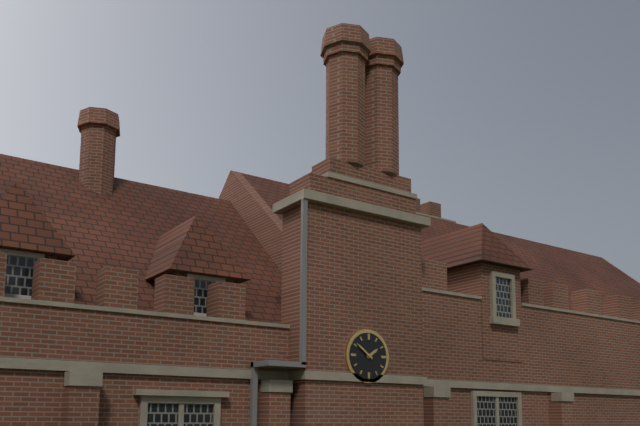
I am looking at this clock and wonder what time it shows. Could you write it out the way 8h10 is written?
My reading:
1h51
